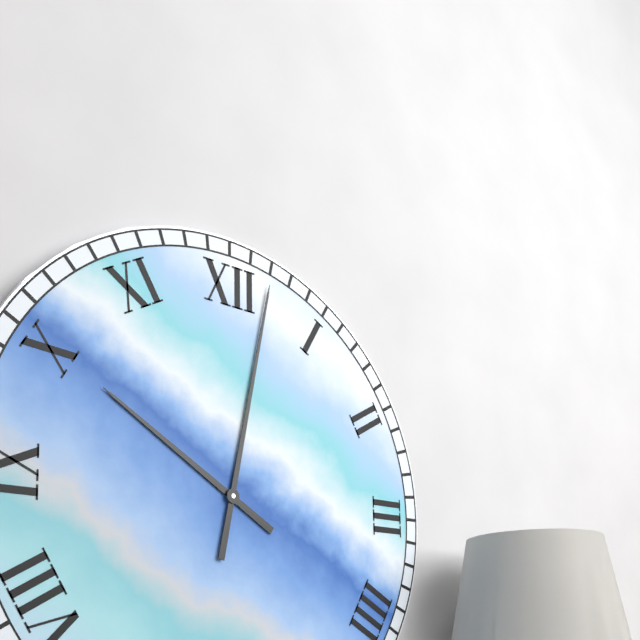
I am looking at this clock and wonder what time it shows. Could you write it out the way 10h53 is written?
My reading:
10h02
